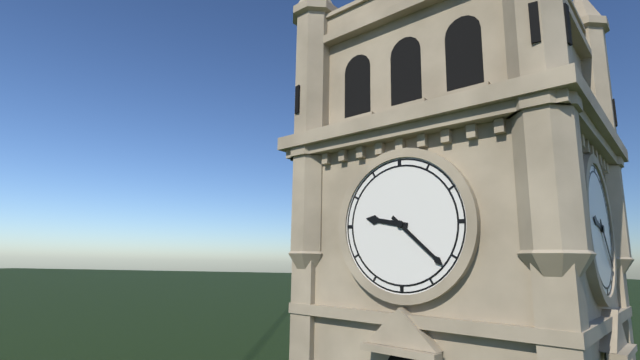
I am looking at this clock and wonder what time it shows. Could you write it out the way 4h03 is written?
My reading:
9h22
